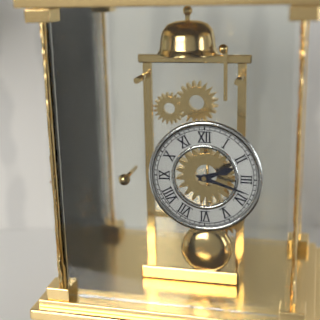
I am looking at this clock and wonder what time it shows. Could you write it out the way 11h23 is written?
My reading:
2h18
